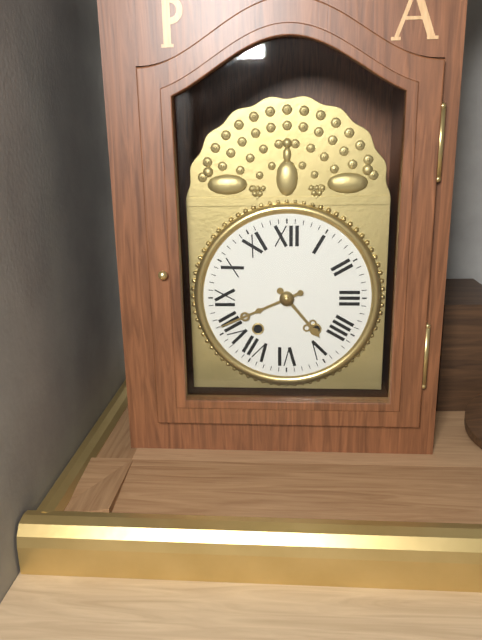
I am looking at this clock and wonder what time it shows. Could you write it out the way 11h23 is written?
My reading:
4h41
